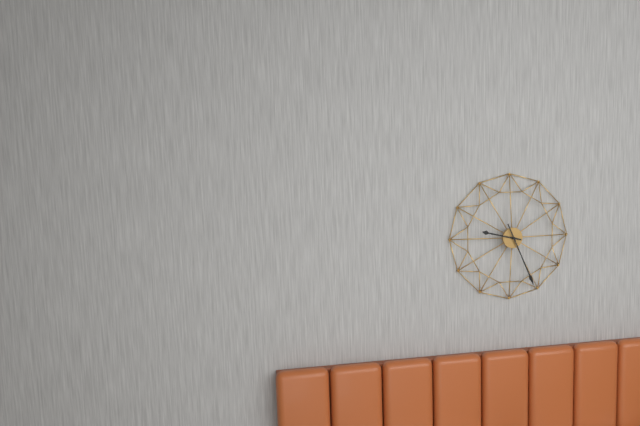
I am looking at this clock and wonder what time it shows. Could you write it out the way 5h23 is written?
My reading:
9h26
